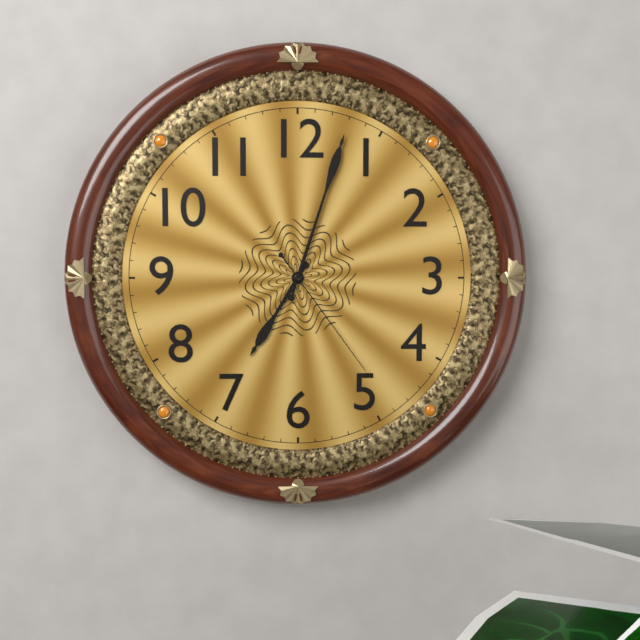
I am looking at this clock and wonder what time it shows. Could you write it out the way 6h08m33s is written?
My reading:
7h03m24s
